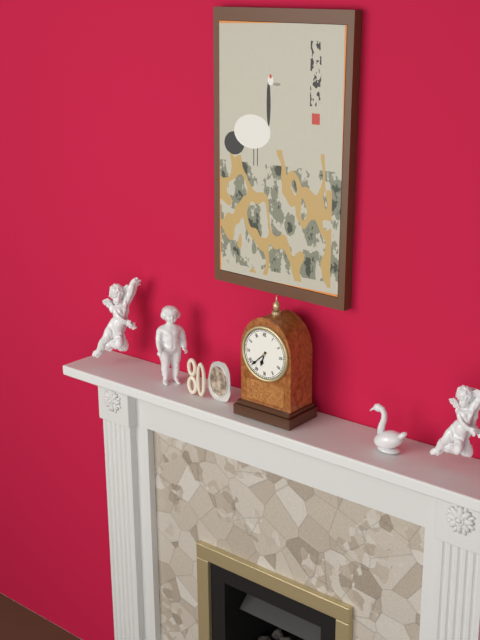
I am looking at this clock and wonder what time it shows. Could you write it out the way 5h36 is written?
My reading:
6h38
